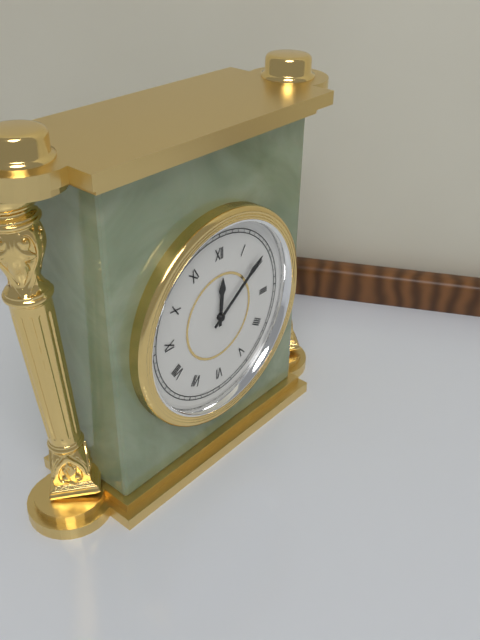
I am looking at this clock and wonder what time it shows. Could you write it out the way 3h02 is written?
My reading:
12h09
